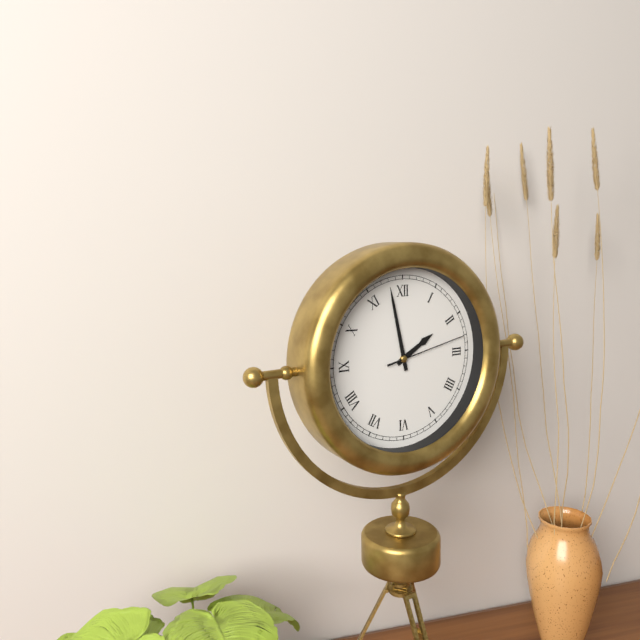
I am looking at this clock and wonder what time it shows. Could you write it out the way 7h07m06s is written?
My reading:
1h58m13s
